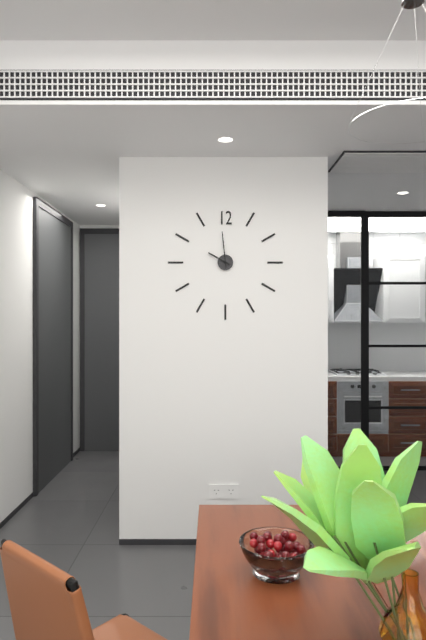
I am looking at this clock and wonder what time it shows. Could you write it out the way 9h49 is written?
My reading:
9h59
